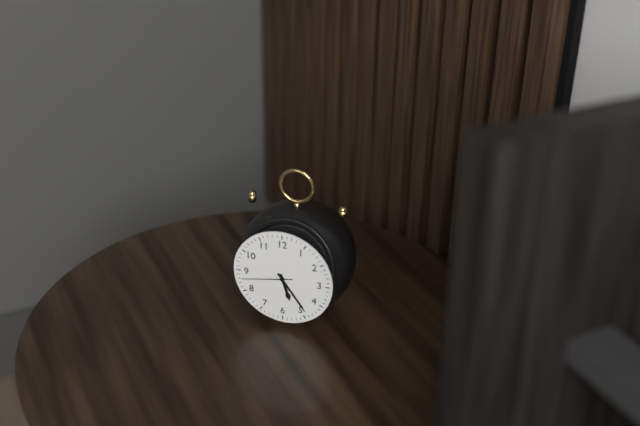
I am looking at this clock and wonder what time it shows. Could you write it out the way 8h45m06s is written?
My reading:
5h24m43s
